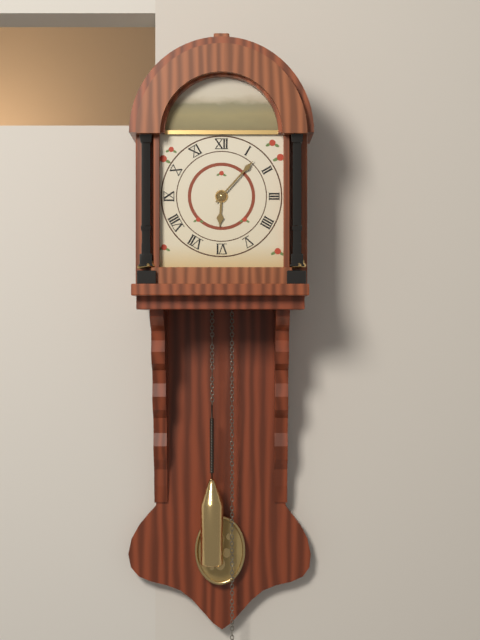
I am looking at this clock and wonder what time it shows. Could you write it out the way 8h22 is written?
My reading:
6h07
